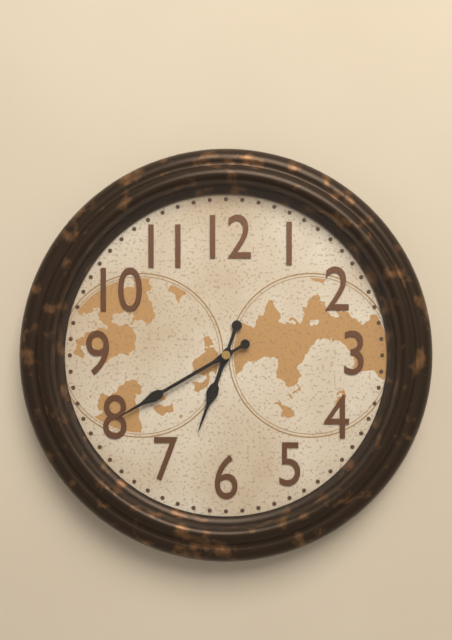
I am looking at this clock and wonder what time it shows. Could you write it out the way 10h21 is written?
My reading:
6h40
